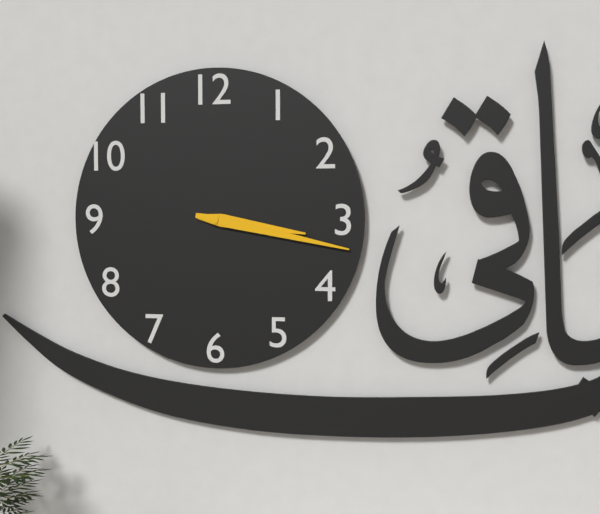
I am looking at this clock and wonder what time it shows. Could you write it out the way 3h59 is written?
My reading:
3h17
